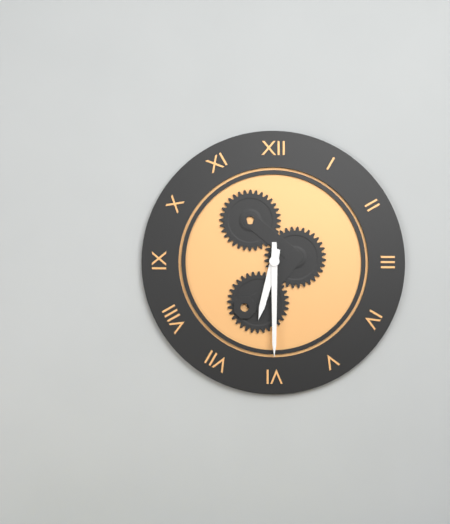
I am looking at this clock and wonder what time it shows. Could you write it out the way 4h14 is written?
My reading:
6h30
